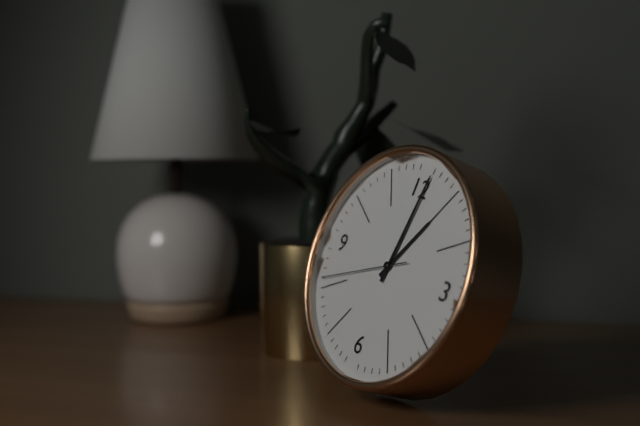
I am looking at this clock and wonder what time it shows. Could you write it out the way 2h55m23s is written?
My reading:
1h01m41s
